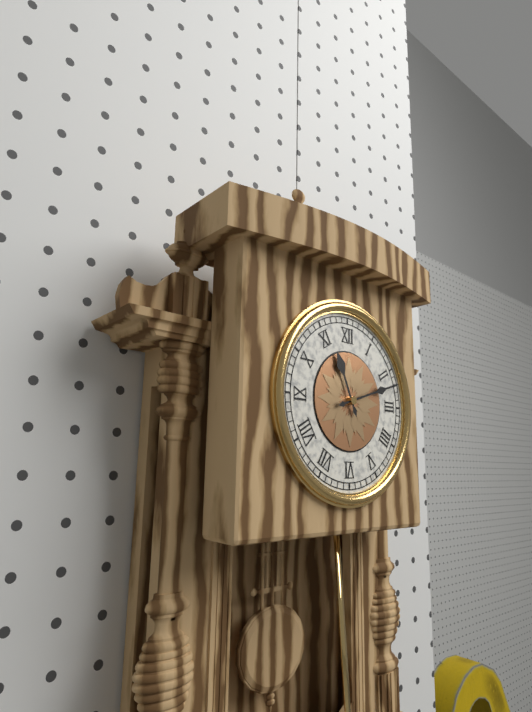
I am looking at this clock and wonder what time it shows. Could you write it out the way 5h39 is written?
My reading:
11h12
